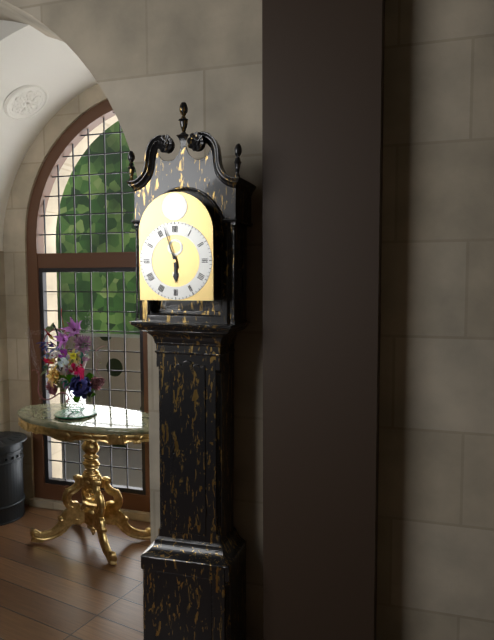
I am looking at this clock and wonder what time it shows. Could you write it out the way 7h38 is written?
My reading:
5h57
